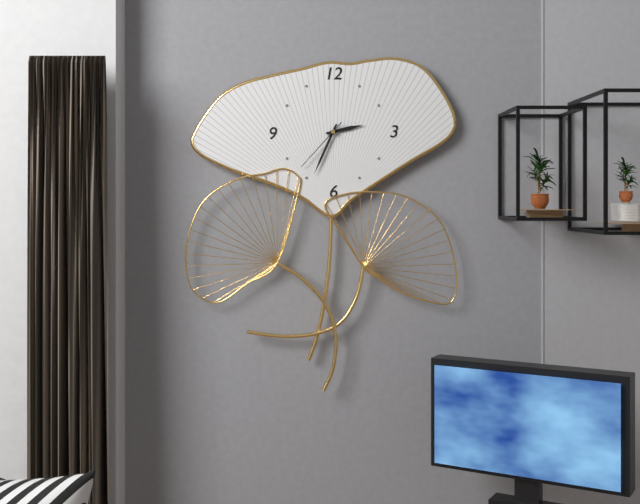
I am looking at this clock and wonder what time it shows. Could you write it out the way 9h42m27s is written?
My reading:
2h34m37s
